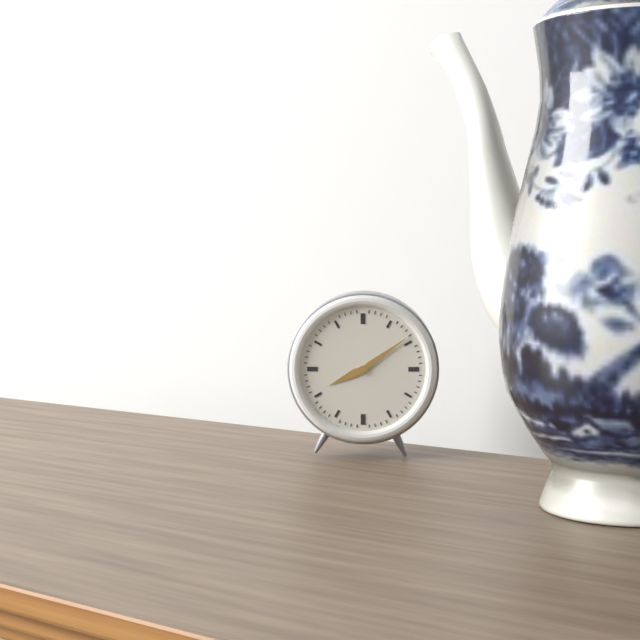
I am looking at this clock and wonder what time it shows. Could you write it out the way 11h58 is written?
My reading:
8h09
